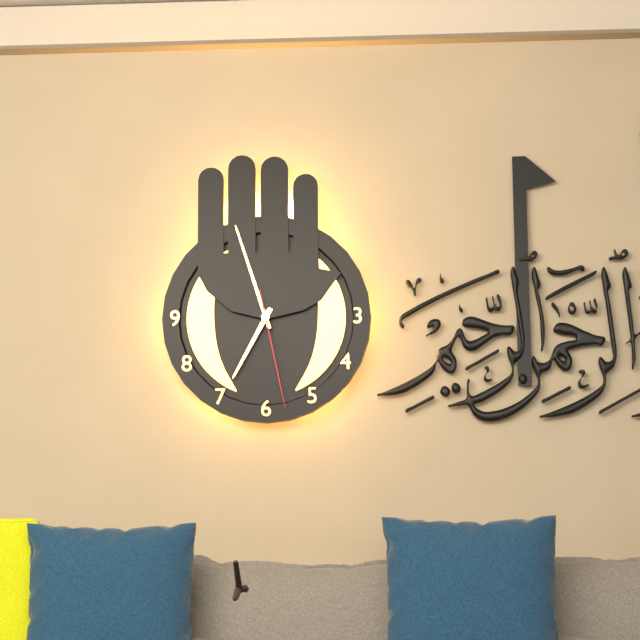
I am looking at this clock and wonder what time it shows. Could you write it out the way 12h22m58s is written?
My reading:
6h57m28s
